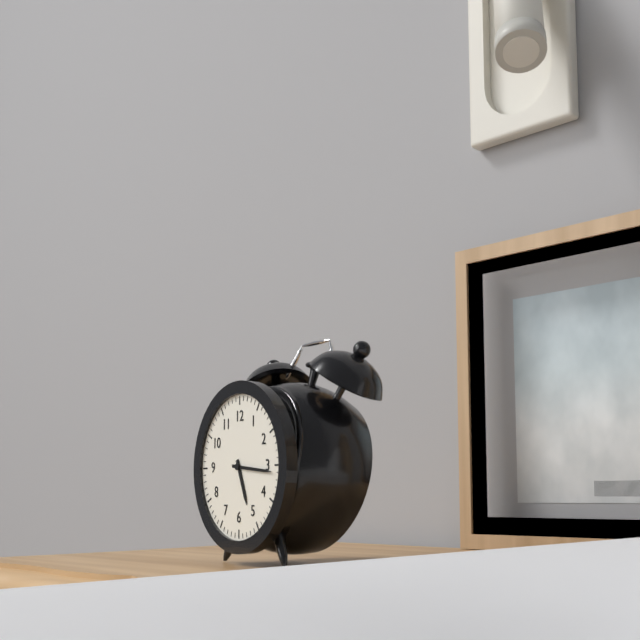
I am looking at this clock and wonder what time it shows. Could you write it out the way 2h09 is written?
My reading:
5h16
